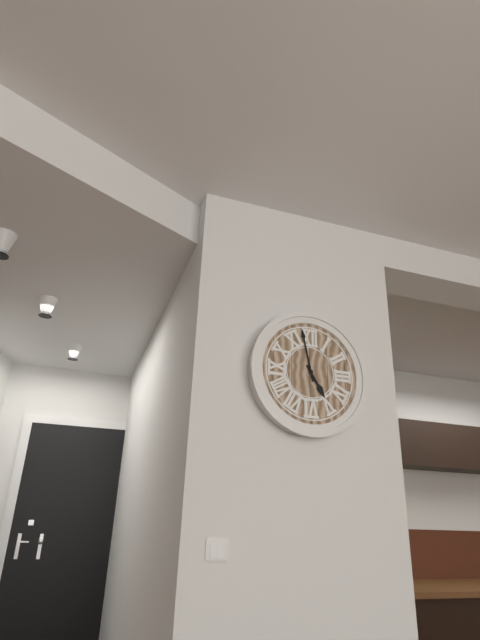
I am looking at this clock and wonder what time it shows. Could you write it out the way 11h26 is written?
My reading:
4h58
